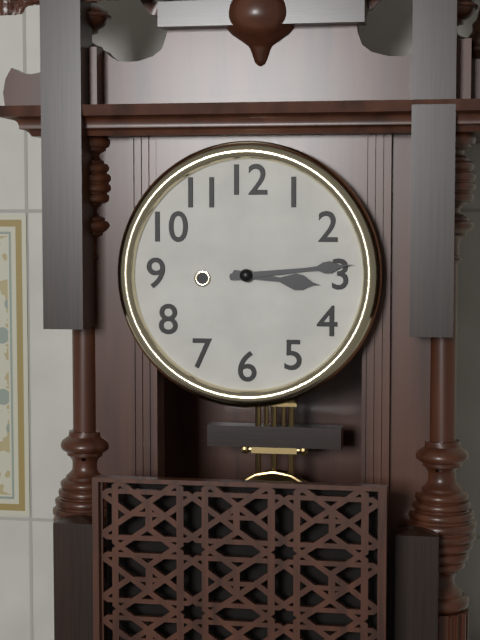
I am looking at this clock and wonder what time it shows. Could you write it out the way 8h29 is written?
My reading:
3h14
